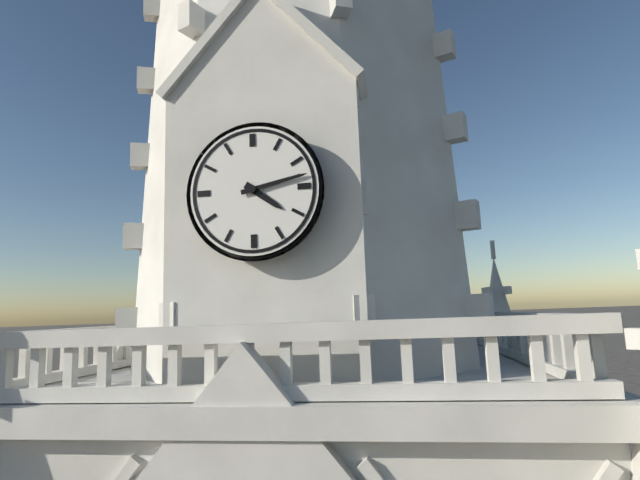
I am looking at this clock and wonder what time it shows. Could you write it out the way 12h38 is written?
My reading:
4h13
